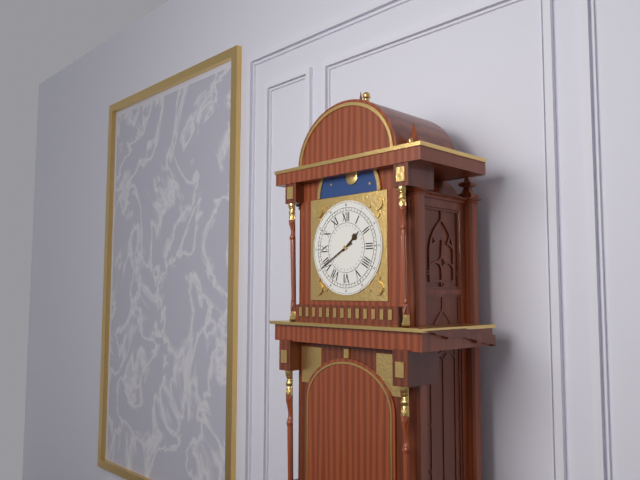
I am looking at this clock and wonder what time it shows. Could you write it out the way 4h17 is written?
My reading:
1h40
